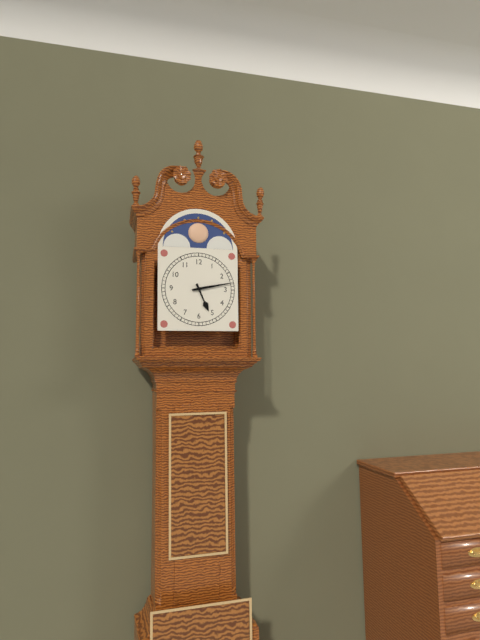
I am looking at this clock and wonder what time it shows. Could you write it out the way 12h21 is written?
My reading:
5h13
